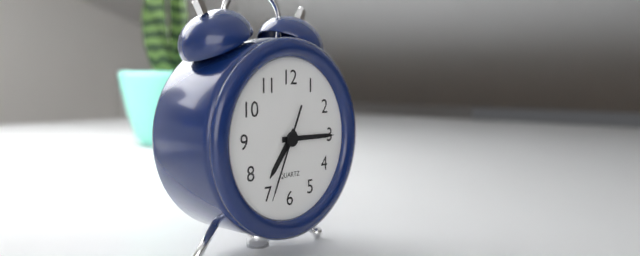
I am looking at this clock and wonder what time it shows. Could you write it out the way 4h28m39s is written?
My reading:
7h15m34s
